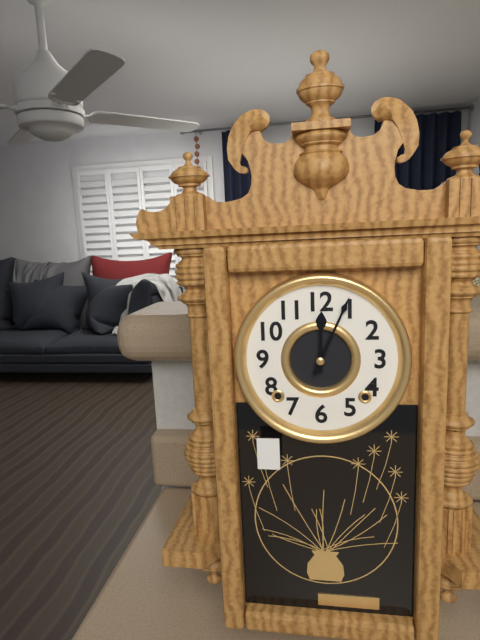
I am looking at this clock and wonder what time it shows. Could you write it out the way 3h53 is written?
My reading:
12h04
